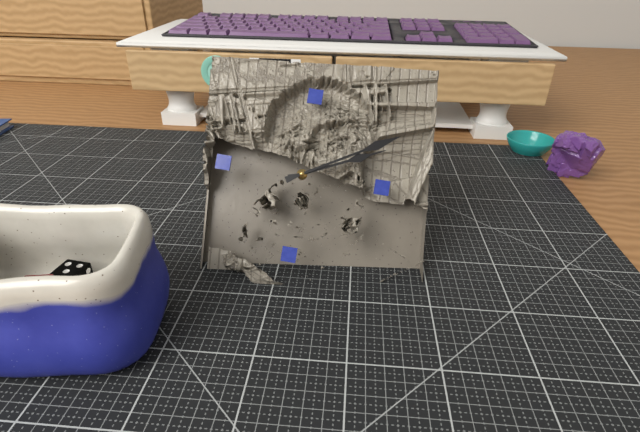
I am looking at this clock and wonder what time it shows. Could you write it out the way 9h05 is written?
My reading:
2h10
